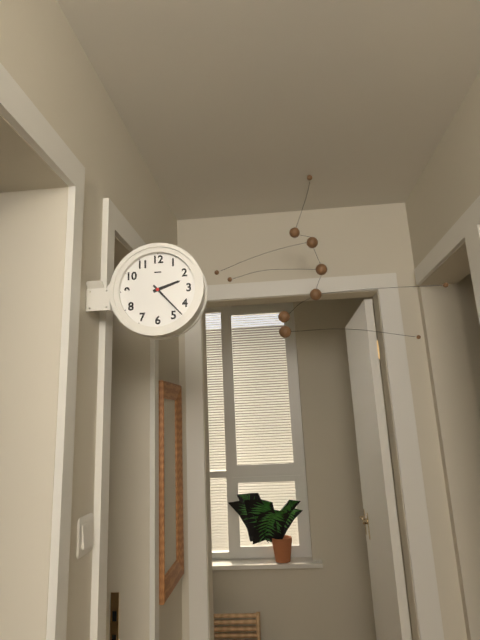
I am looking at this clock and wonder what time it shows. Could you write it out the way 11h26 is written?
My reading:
2h23
